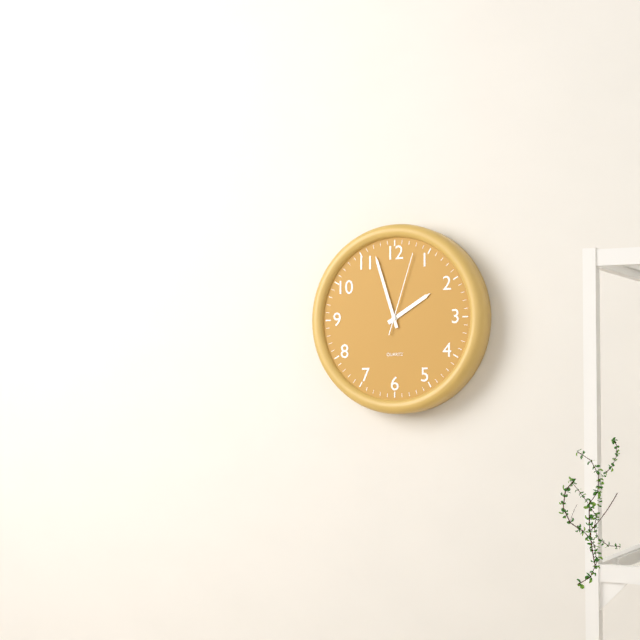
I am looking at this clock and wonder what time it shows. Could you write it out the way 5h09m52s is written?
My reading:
1h57m03s
